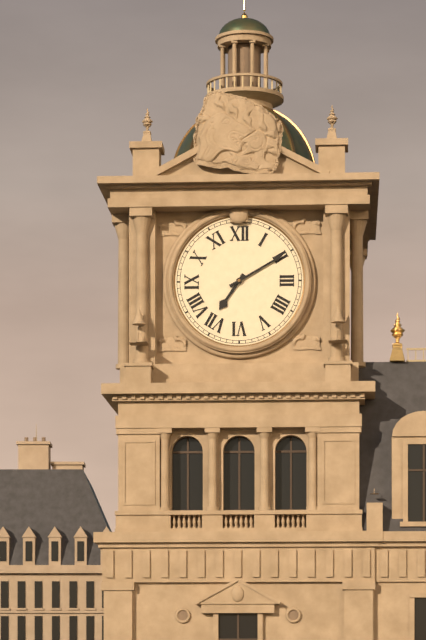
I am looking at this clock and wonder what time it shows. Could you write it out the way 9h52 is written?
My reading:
7h10
